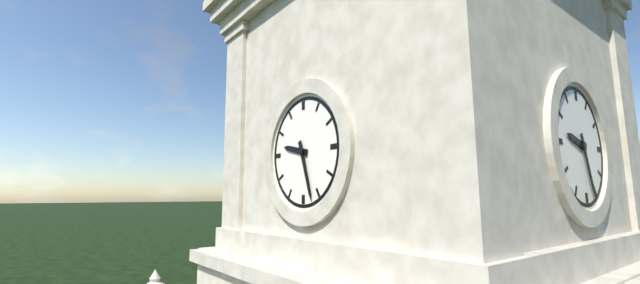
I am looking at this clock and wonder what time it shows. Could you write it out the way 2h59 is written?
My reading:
9h27
